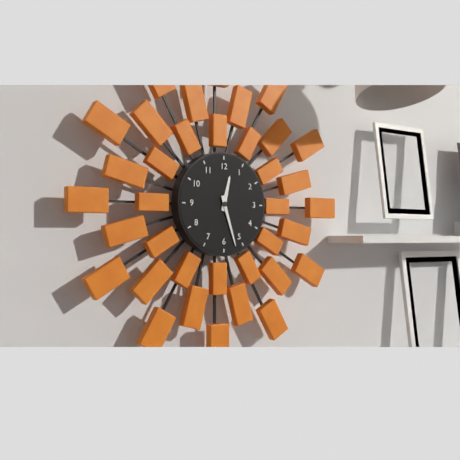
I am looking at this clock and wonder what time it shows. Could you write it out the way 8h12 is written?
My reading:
12h27
